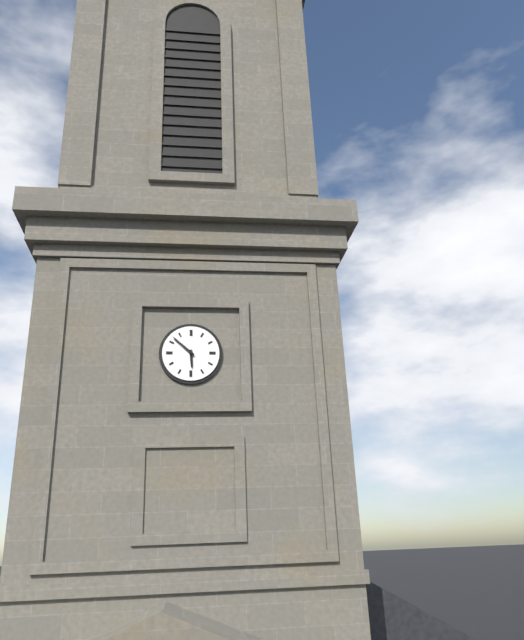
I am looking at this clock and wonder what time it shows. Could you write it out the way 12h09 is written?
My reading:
5h52
